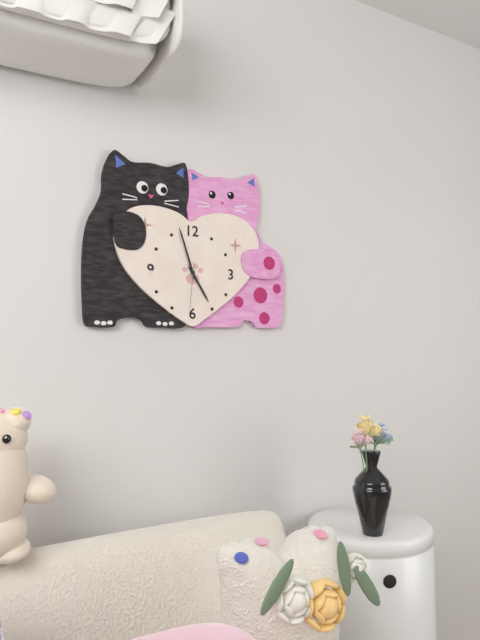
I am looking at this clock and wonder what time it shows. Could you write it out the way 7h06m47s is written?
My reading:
4h57m31s
